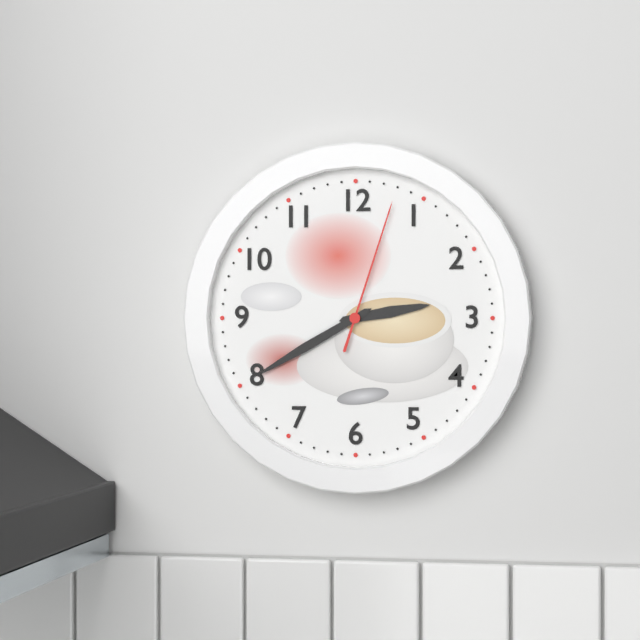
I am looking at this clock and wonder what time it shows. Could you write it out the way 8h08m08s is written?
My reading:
2h40m03s
